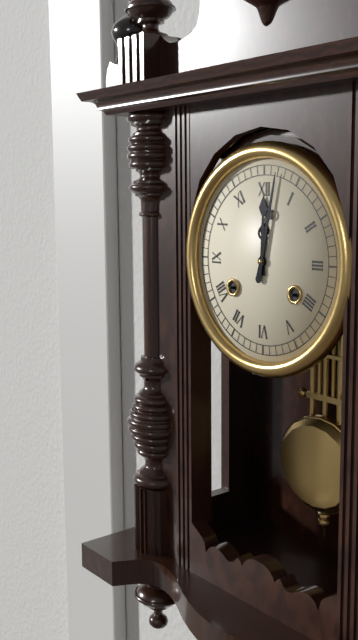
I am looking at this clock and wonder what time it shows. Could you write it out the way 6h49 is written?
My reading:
12h02
